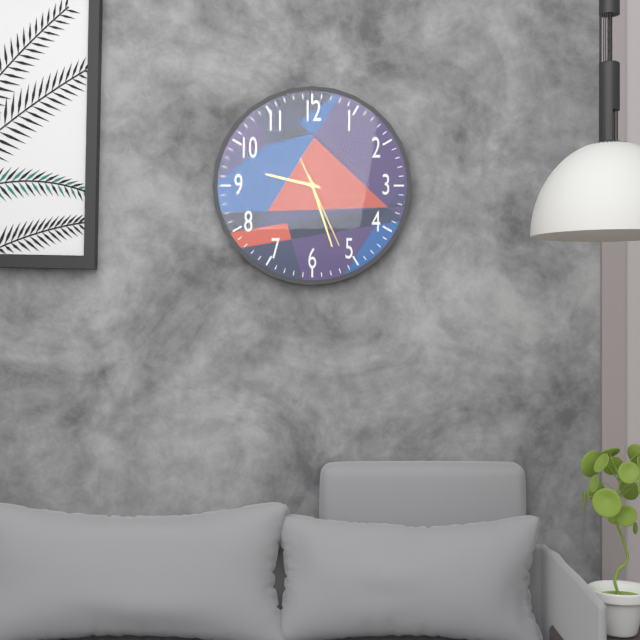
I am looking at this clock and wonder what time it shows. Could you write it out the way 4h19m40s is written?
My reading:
9h27m26s
